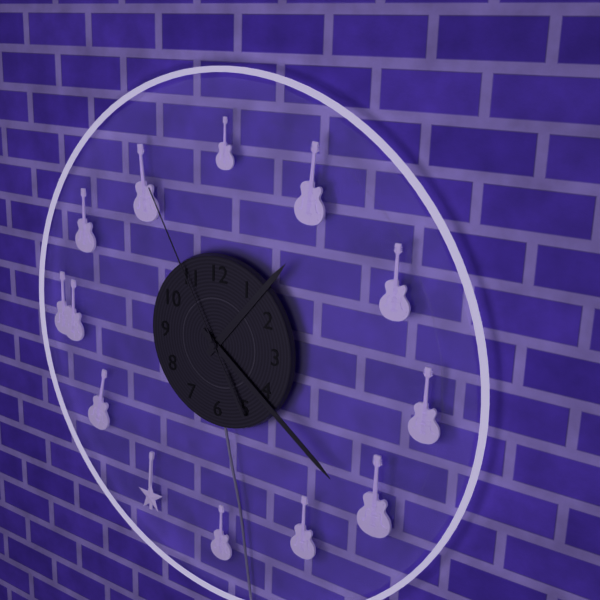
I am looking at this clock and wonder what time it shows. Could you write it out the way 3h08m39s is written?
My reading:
1h21m55s
